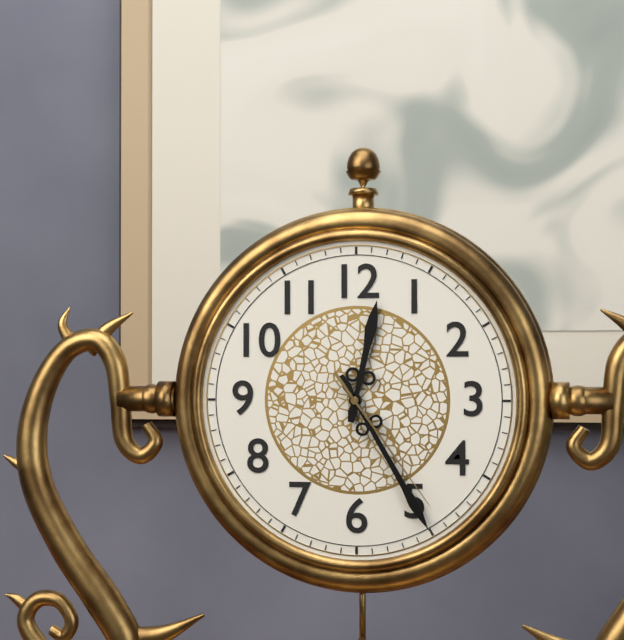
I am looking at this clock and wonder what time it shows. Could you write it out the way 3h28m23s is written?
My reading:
12h25m24s
